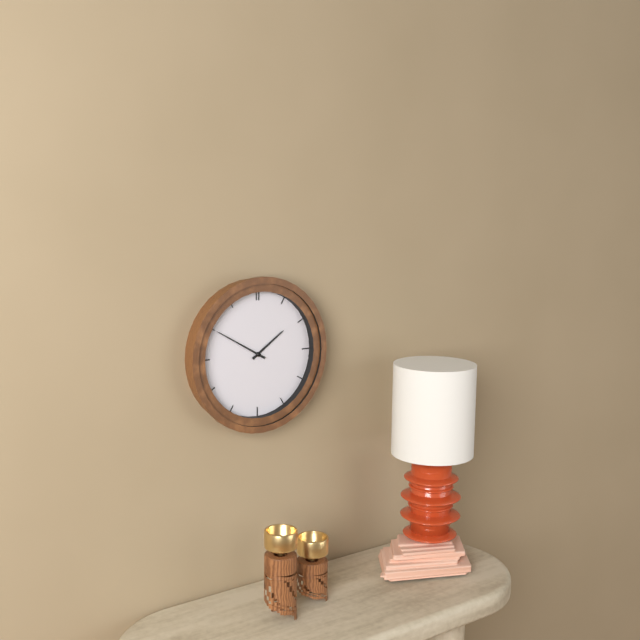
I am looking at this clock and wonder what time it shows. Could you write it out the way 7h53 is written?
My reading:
1h50
